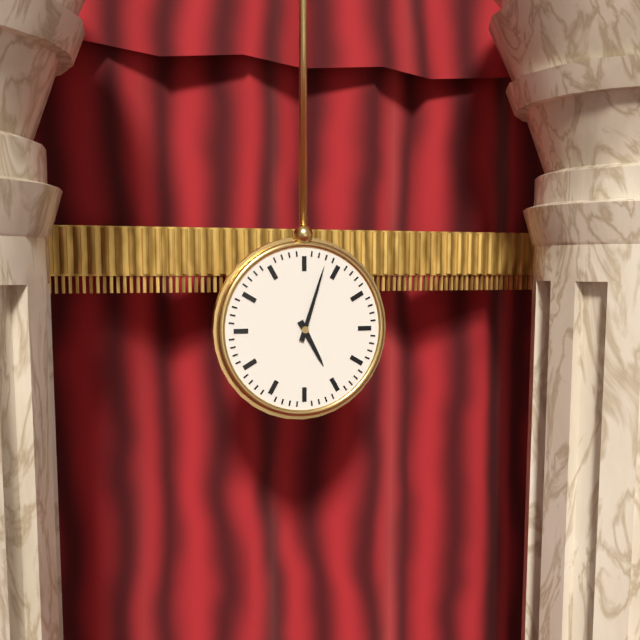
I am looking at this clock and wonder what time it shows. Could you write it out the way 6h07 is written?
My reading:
5h03
